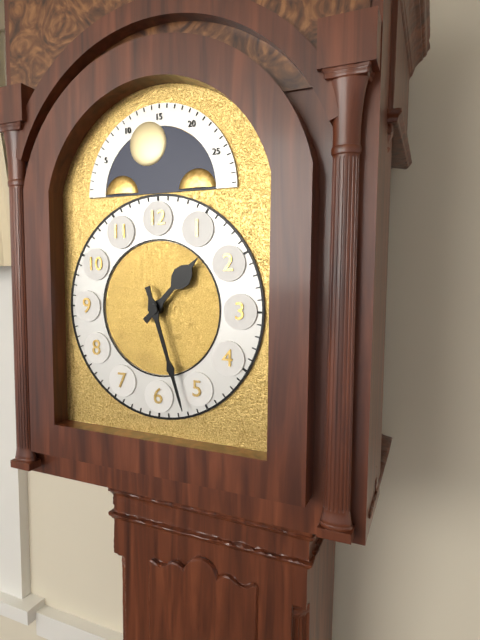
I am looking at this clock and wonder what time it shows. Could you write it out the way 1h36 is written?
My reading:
1h27
